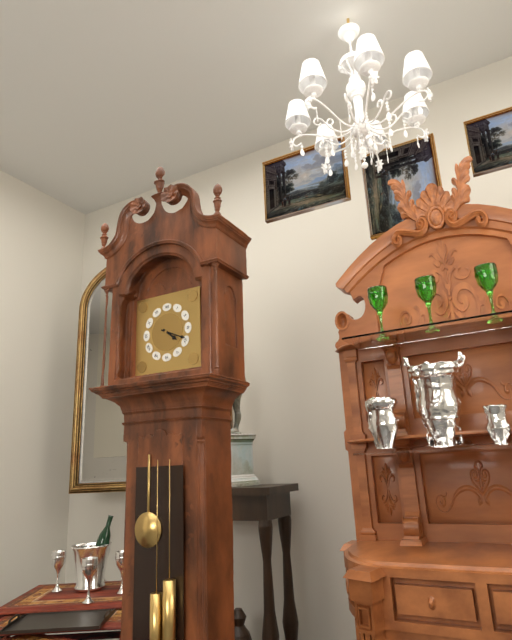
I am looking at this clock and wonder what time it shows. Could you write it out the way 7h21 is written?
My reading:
4h19
